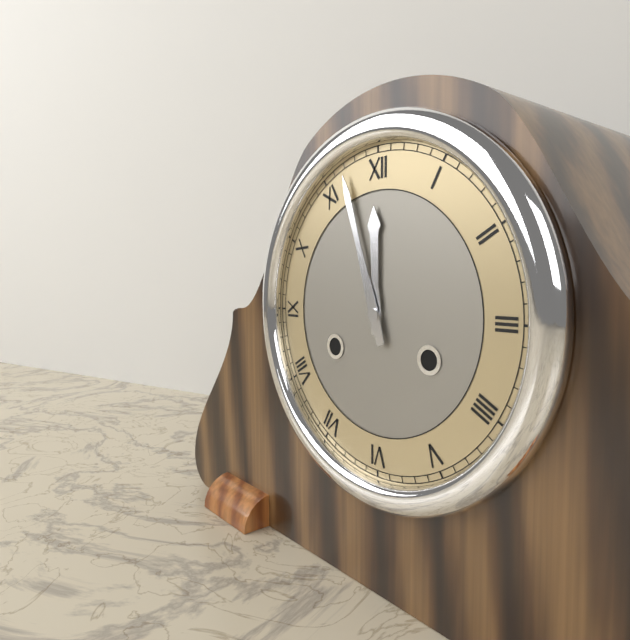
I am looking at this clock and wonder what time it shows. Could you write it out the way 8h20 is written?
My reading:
11h57
